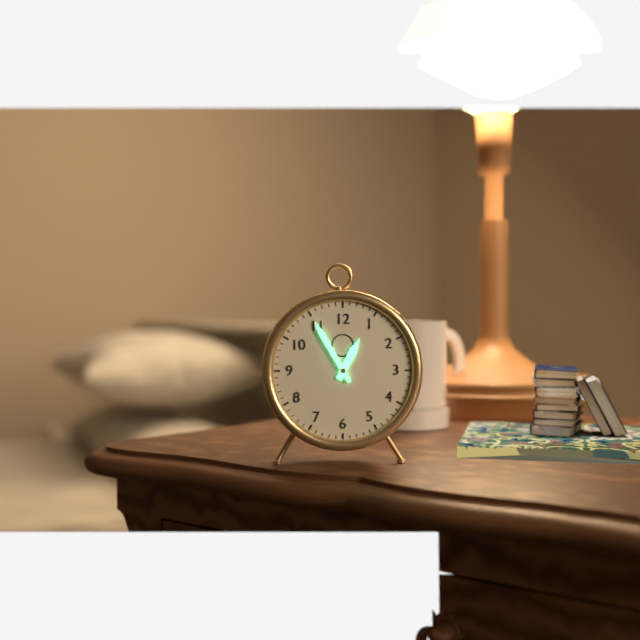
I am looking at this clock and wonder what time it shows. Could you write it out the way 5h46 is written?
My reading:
12h55
